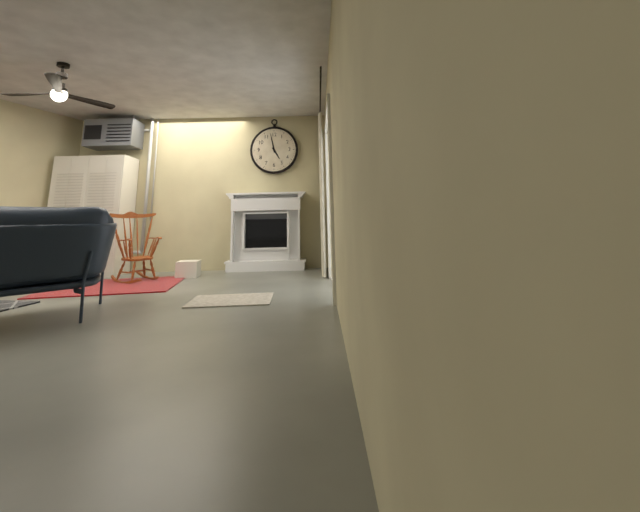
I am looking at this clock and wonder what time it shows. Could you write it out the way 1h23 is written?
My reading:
4h58
